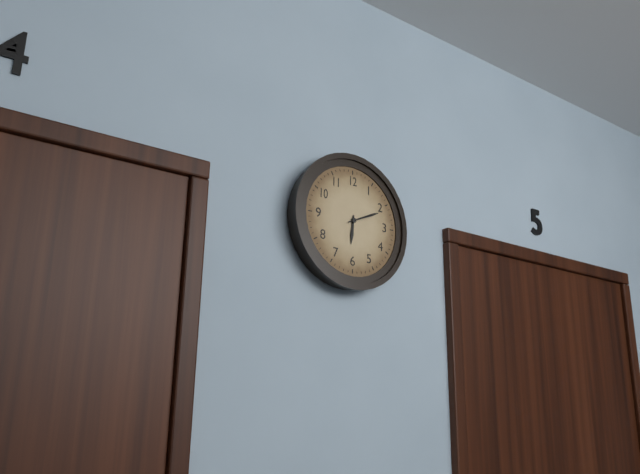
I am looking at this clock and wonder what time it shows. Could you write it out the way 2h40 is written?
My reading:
6h11
